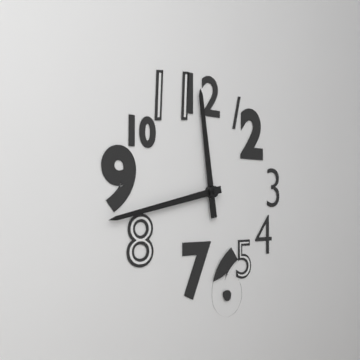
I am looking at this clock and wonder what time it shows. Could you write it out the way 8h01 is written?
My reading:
11h43
